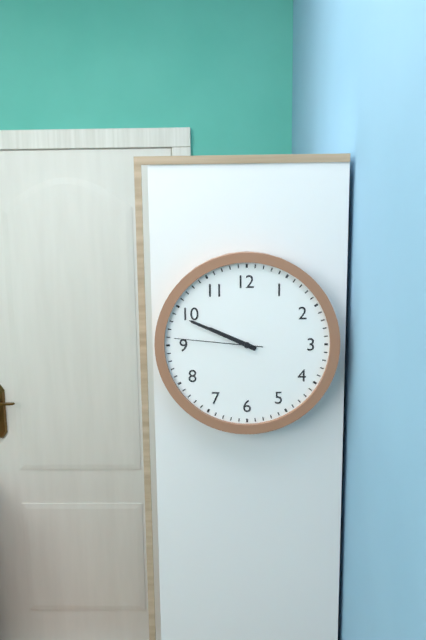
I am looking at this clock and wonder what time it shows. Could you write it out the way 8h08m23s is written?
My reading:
9h49m46s
